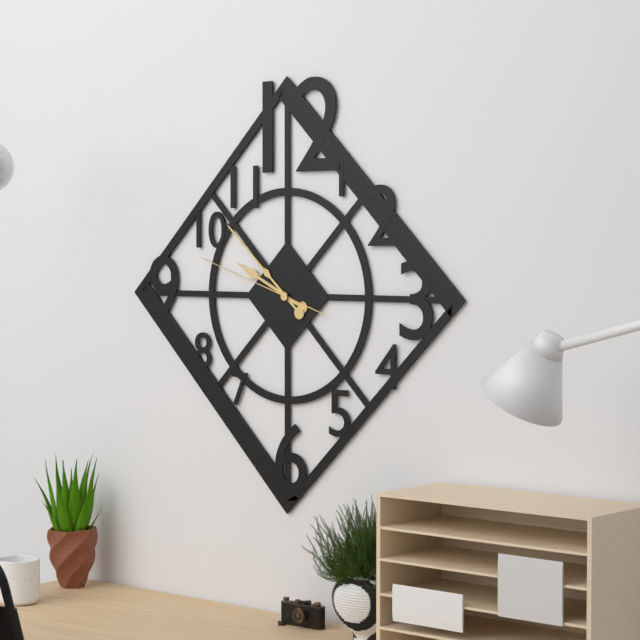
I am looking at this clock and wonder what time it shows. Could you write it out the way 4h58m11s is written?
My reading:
9h52m48s
